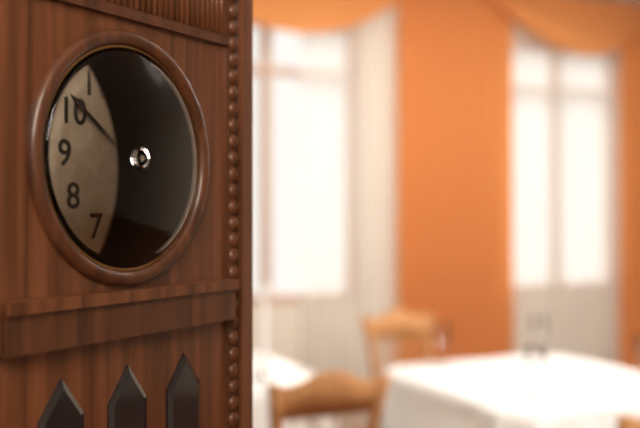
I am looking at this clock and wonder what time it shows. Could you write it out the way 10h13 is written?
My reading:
12h51
